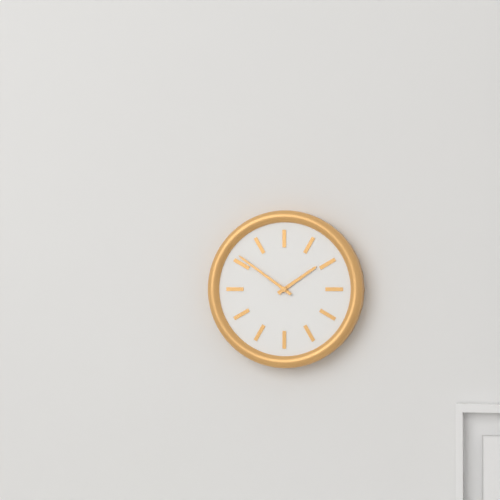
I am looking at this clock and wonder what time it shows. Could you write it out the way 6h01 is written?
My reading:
1h51
